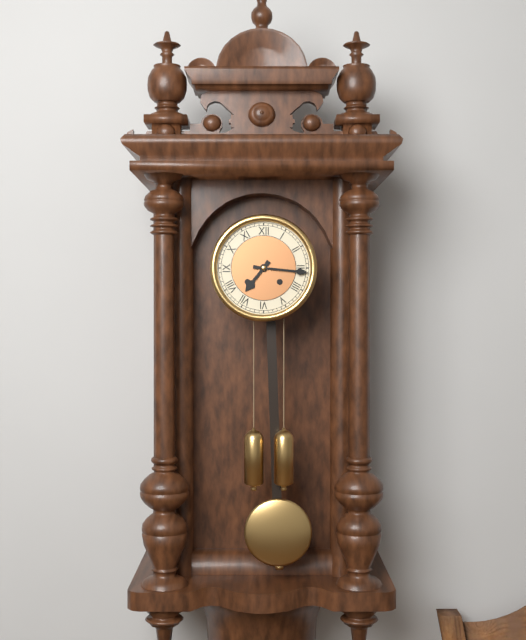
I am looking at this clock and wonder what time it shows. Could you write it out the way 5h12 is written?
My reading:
7h16
